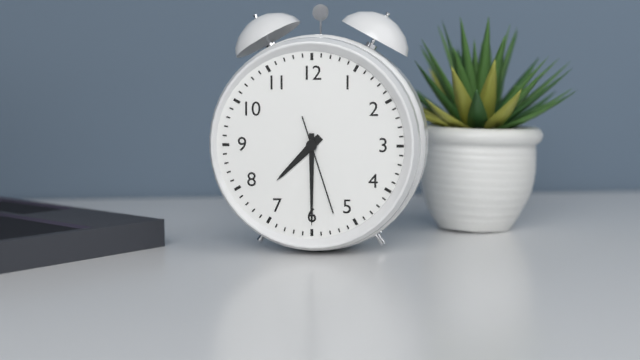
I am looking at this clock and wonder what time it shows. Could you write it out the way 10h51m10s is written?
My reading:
7h30m27s
